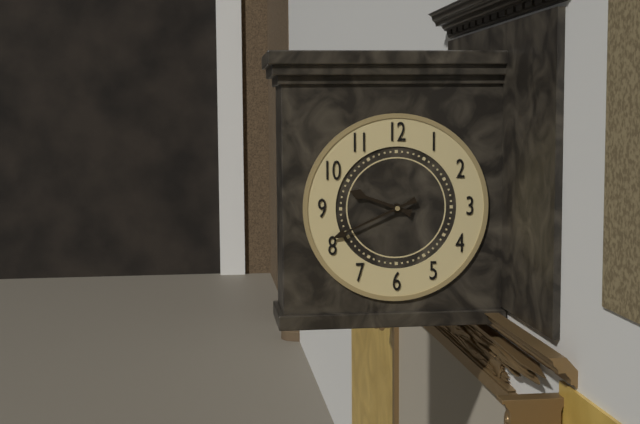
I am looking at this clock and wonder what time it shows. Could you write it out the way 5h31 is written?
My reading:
9h41
